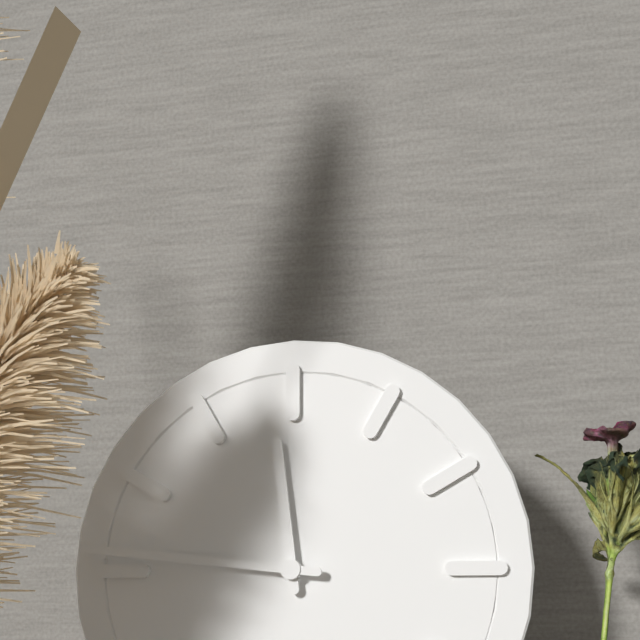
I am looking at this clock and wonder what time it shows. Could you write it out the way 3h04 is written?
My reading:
11h46
